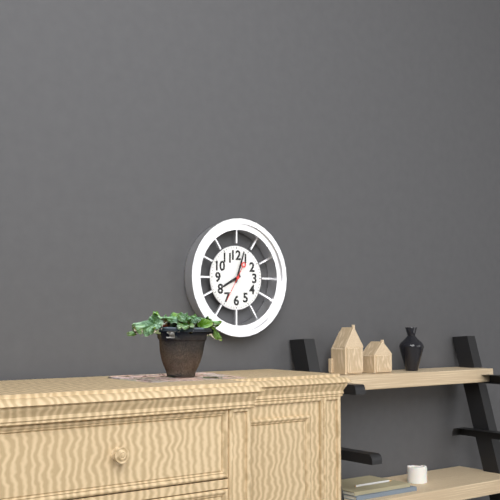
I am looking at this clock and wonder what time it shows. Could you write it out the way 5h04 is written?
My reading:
8h03
